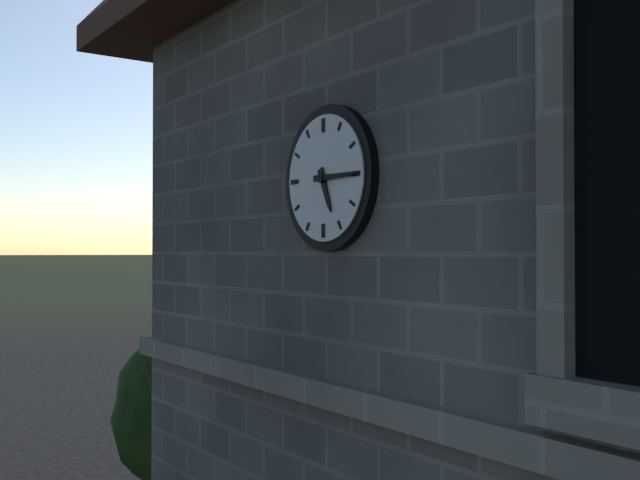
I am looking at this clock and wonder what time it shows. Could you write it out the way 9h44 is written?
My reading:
5h15
